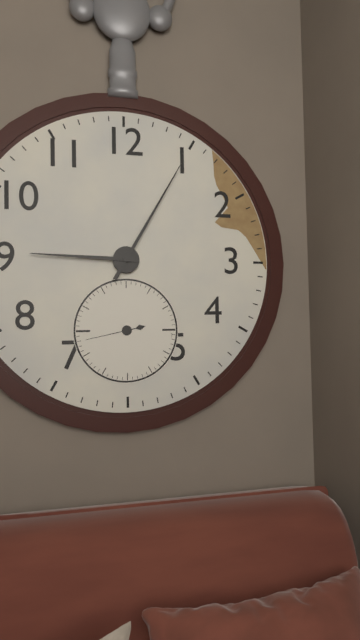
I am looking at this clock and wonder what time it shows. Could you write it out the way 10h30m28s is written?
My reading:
9h05m43s
